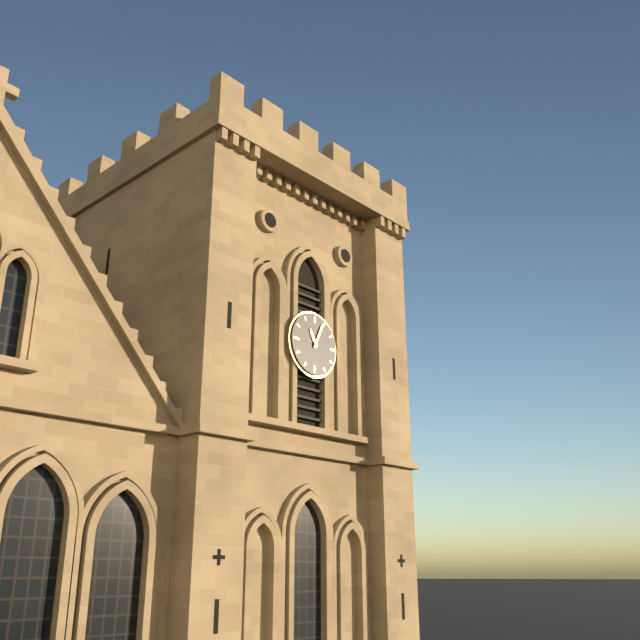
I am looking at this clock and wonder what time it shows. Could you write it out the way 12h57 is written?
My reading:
11h04
